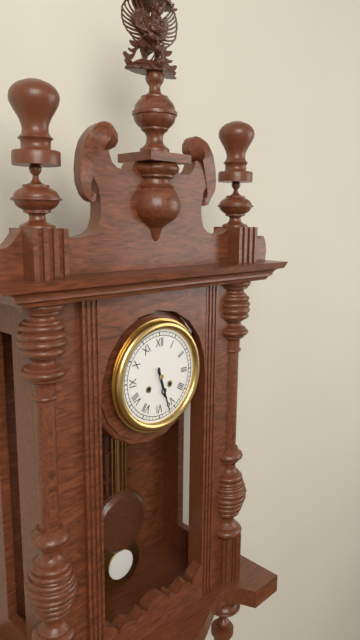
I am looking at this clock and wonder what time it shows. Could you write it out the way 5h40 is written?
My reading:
5h27
